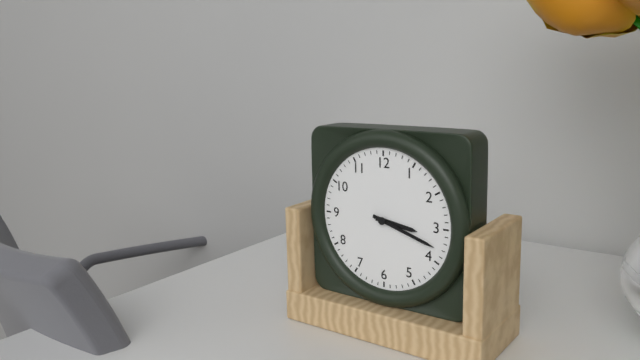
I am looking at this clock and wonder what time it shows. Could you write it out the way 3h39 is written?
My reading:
3h18
